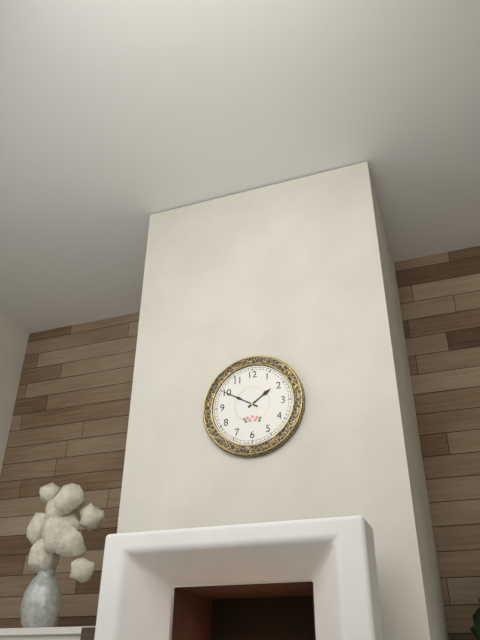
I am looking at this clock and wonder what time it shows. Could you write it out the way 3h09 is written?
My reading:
1h50
